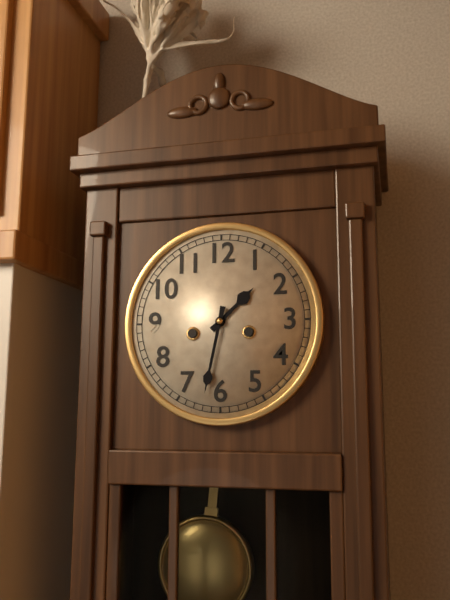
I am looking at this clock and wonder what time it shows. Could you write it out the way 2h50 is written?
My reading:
1h32
